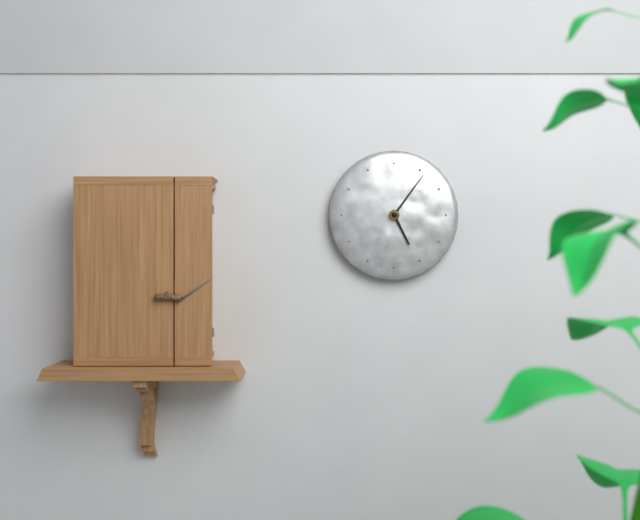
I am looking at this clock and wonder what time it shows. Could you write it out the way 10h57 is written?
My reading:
5h06
